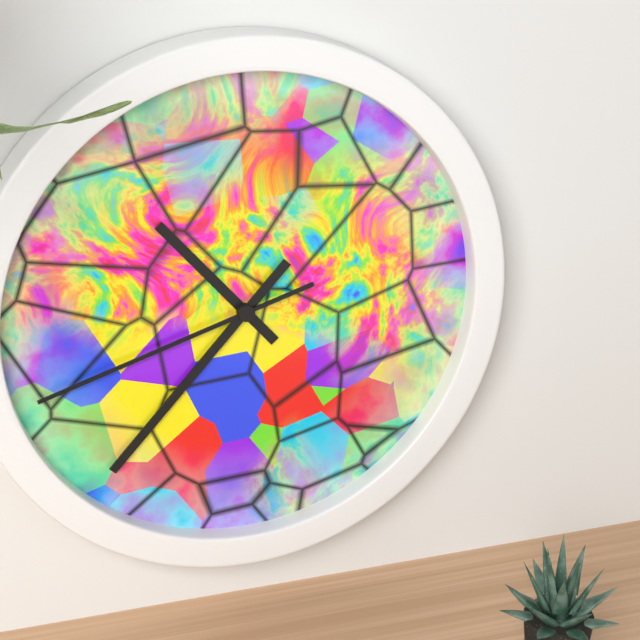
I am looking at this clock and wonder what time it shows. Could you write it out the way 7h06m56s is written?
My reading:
10h37m42s
